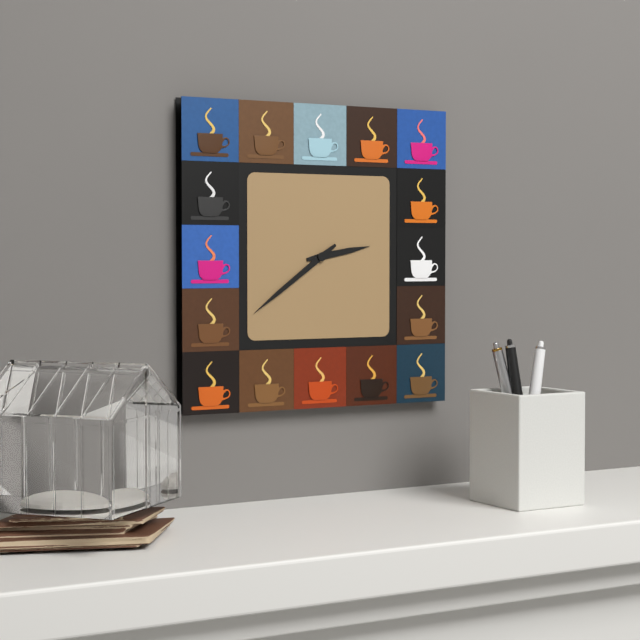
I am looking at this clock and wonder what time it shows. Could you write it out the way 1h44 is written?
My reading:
2h39
